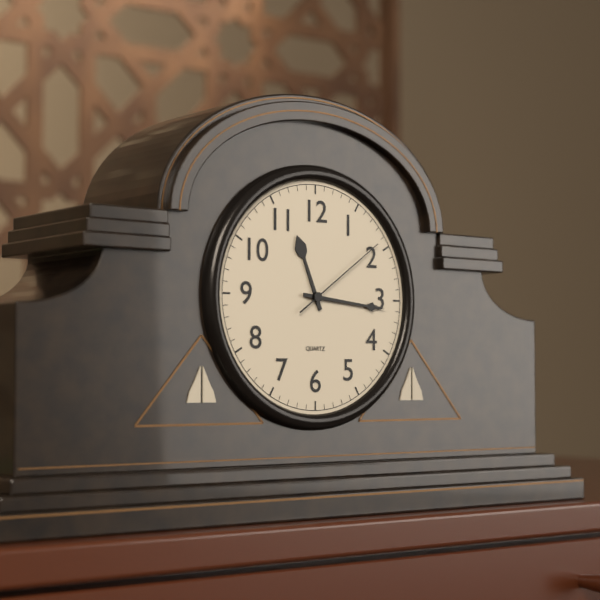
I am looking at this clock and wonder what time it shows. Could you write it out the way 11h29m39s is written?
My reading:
11h16m09s
